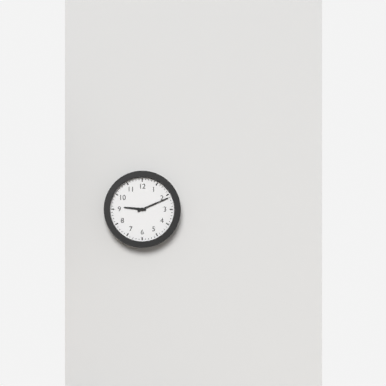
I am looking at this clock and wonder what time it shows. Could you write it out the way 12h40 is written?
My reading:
9h11
